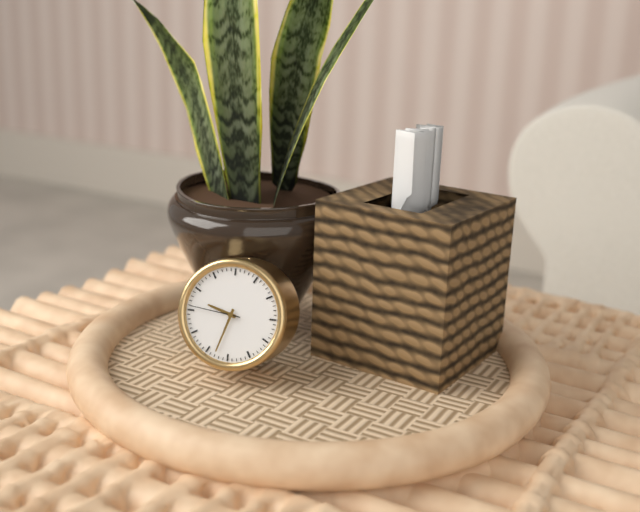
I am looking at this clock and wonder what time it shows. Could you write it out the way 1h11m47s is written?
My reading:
9h33m46s
